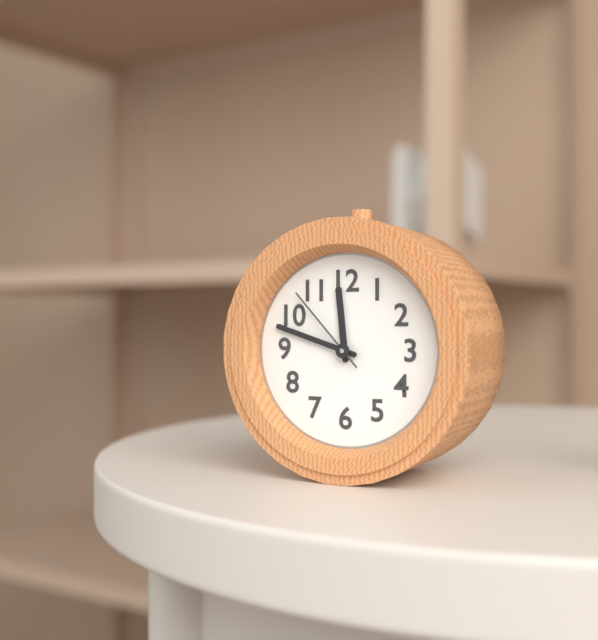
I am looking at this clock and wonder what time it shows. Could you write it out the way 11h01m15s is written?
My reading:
11h48m53s
